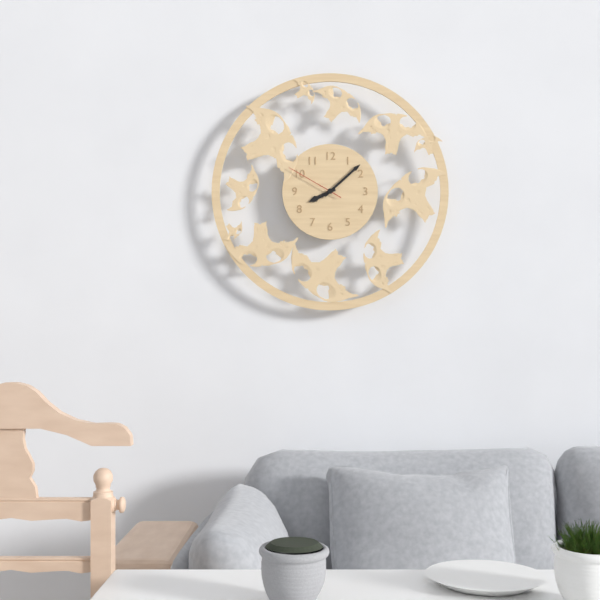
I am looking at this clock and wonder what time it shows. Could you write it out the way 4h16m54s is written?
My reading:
8h08m50s
